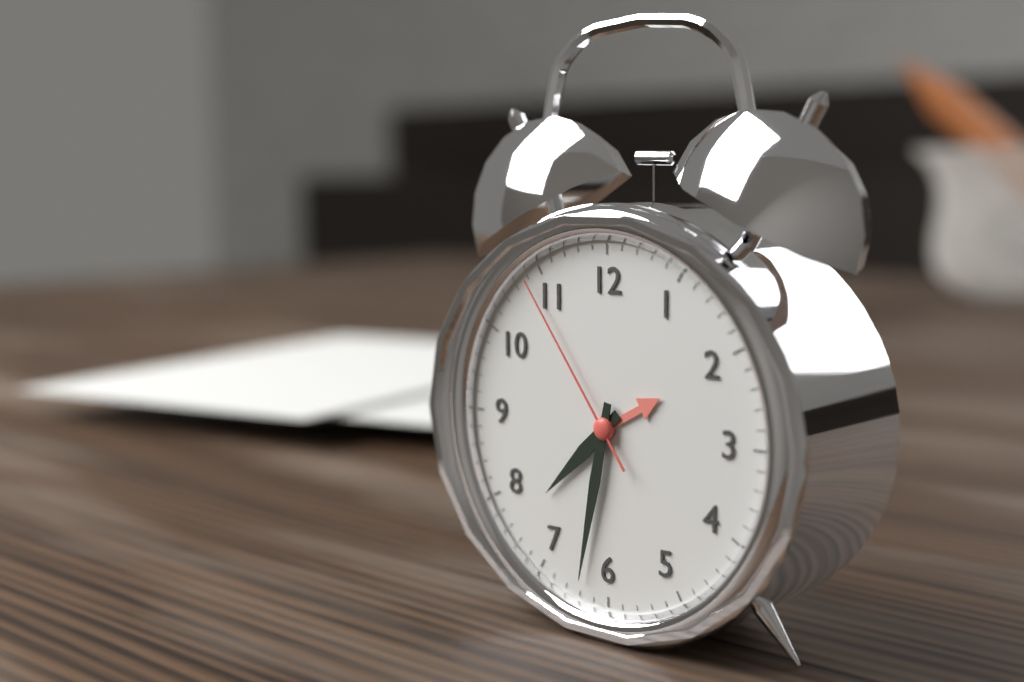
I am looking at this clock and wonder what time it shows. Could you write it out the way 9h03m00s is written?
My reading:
7h32m54s
